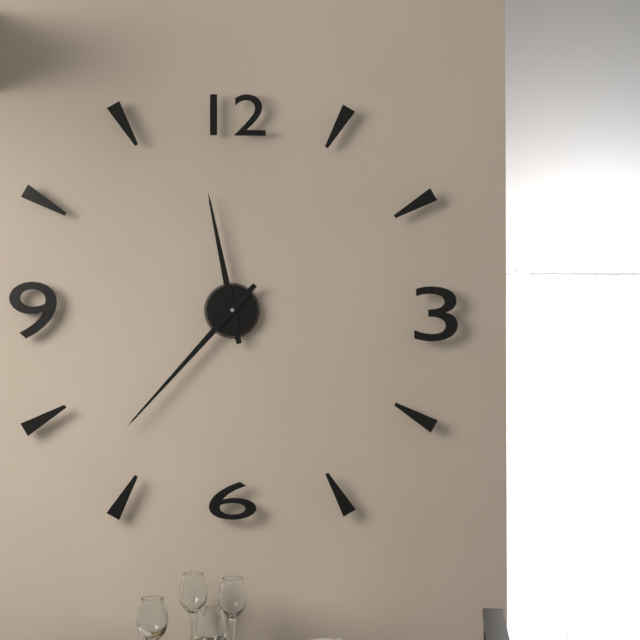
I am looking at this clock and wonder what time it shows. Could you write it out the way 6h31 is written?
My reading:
11h37
